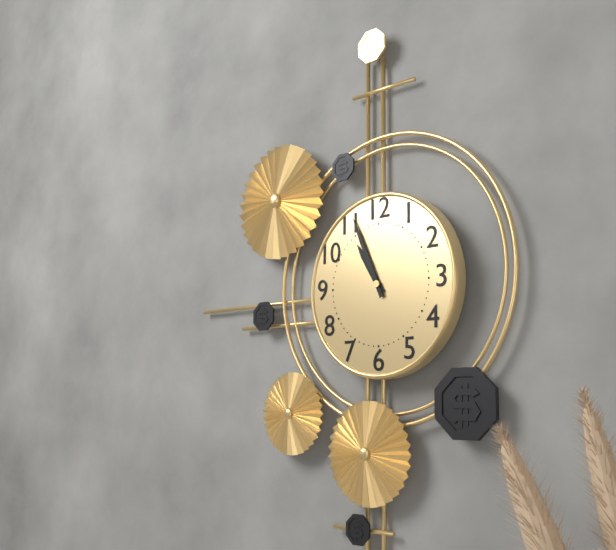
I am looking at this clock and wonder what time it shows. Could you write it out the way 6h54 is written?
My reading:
10h56
